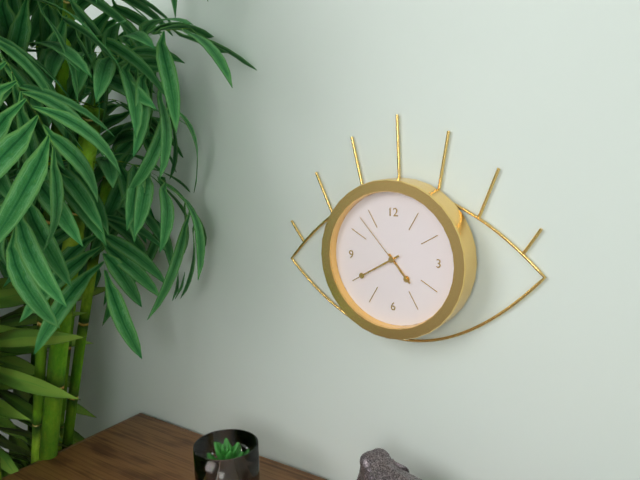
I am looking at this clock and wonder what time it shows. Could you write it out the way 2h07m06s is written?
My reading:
4h40m53s
